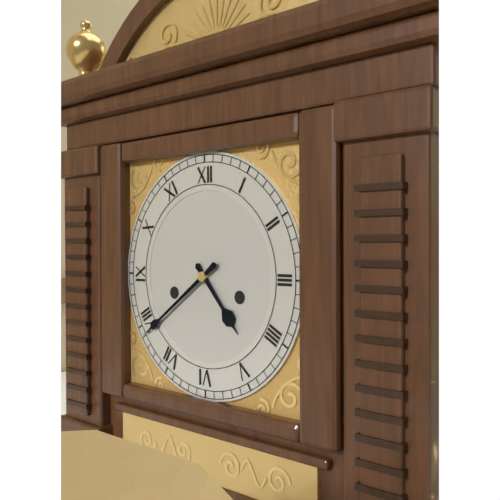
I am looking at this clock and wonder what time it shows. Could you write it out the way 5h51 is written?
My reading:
4h39
